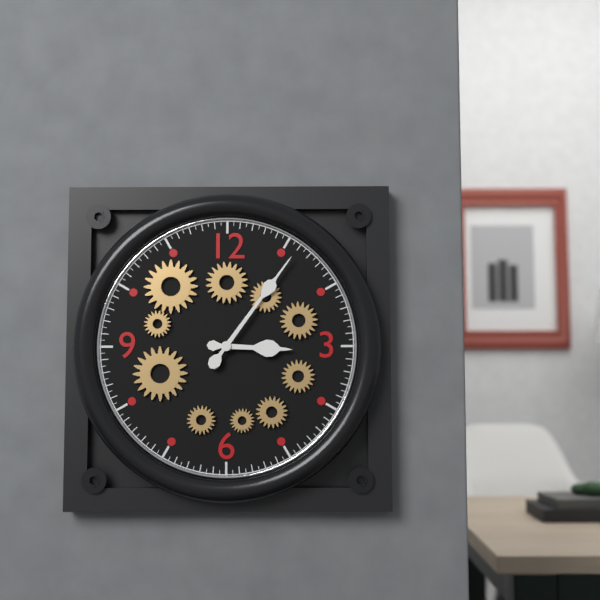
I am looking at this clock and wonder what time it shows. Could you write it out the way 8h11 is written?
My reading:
3h06
